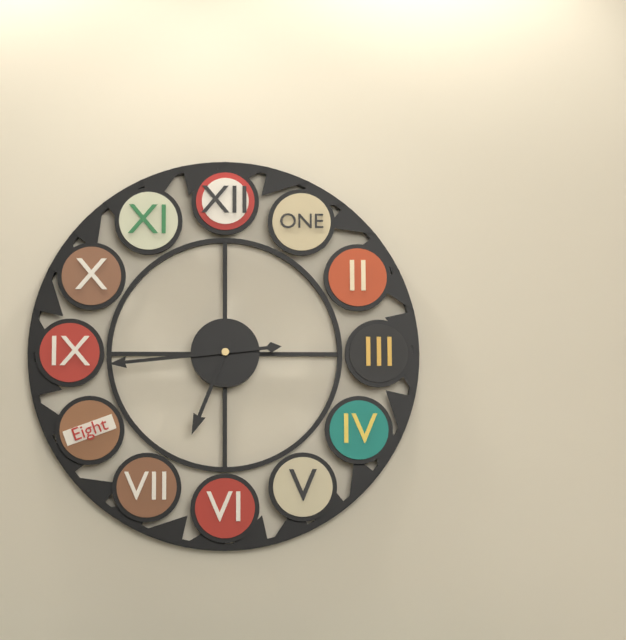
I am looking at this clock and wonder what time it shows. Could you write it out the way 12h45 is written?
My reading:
6h44
